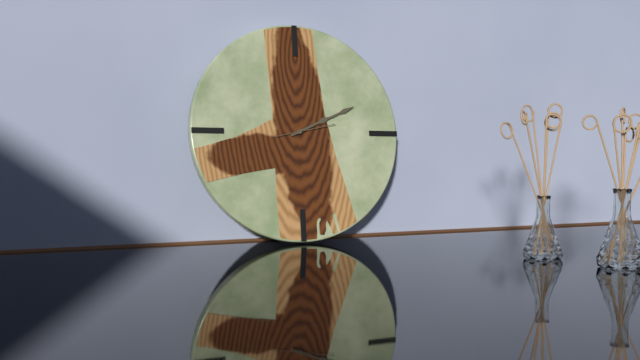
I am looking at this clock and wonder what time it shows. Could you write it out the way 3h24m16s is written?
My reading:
2h11m13s
